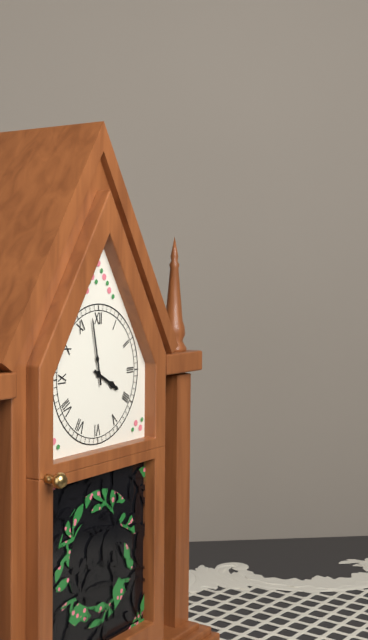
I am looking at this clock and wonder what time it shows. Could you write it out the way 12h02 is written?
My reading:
3h58
